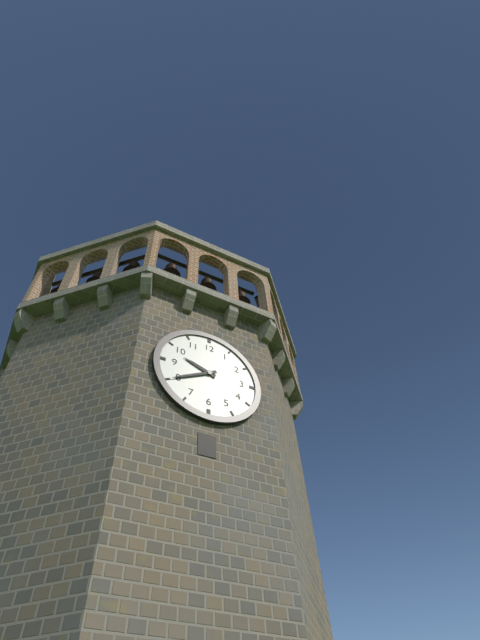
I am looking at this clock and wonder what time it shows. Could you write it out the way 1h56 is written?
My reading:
9h40
